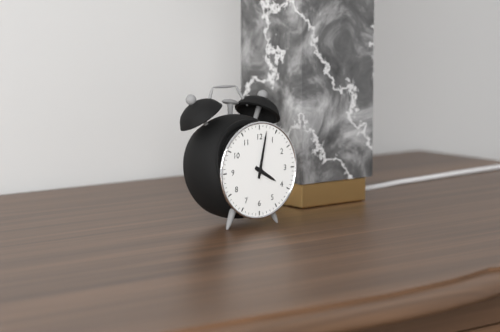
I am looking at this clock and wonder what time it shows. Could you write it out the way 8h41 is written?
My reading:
4h02
